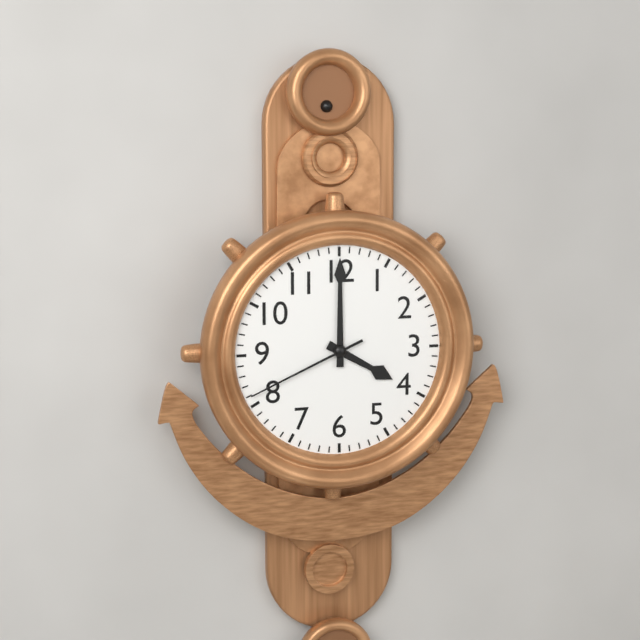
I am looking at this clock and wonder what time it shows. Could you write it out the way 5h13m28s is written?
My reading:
4h00m41s
